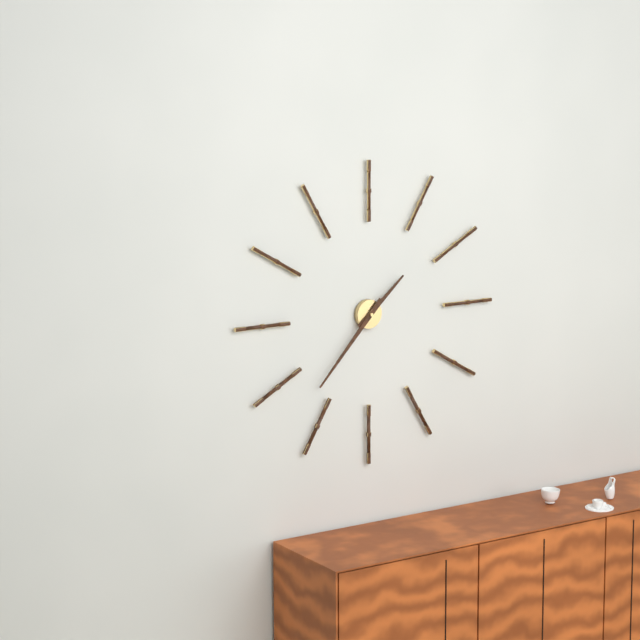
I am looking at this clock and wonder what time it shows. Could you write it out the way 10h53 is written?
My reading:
1h37
